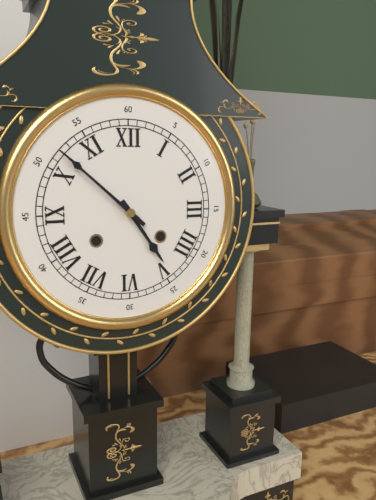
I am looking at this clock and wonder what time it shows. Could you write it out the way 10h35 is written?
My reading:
4h52
